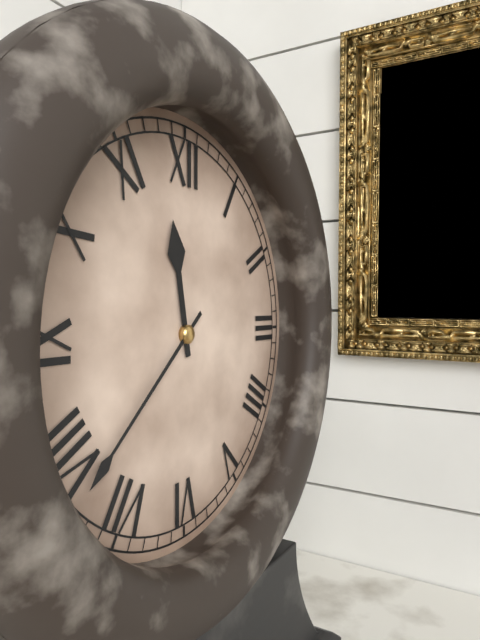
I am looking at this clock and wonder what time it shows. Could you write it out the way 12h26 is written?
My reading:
11h38
